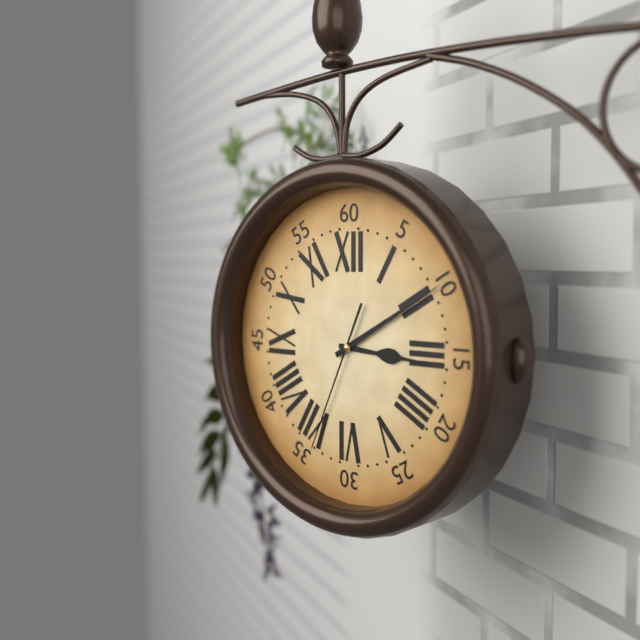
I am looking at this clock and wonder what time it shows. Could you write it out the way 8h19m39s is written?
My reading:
3h10m34s
